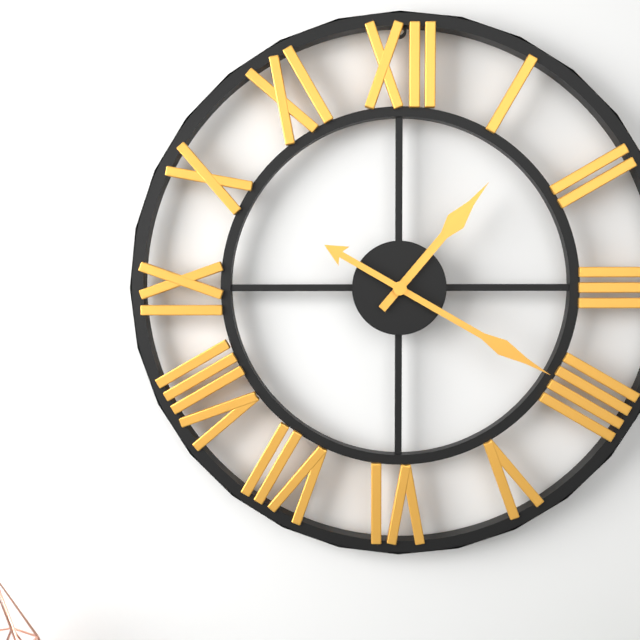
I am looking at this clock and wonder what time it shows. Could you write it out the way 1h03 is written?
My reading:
1h20
